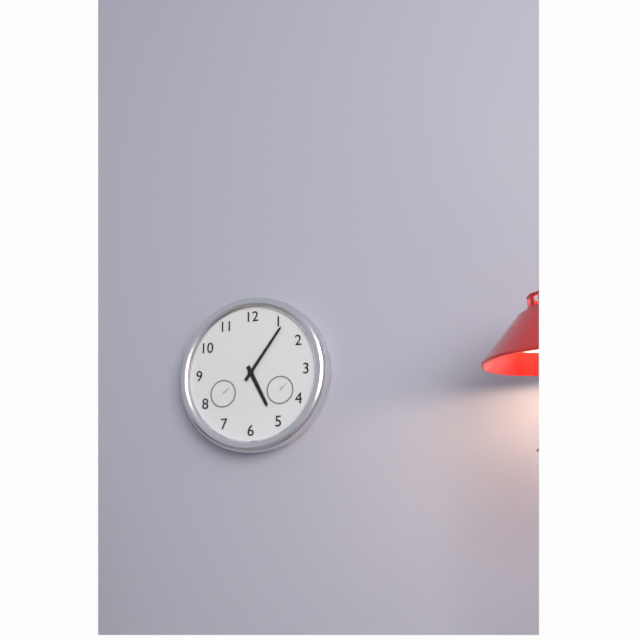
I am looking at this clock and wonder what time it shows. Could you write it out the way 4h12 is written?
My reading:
5h06
